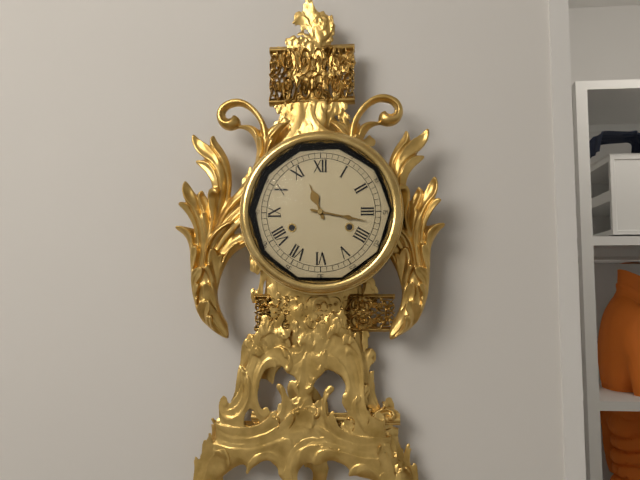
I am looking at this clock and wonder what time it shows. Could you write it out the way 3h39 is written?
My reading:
11h17
